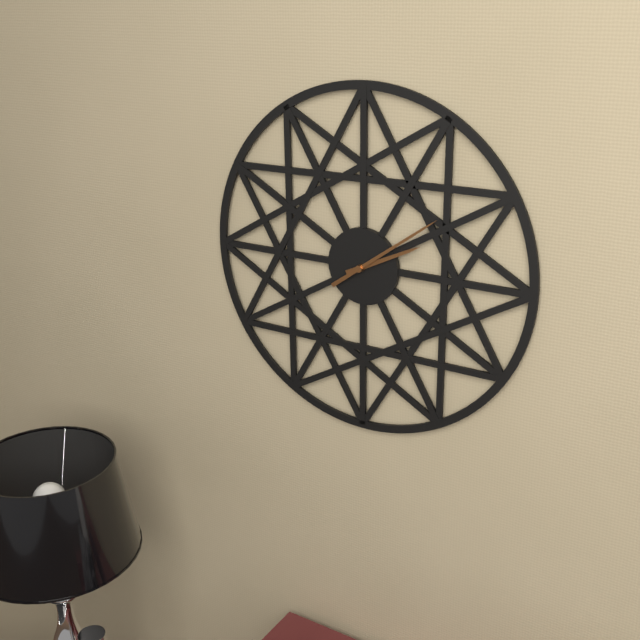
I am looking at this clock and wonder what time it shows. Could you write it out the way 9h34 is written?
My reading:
2h09
